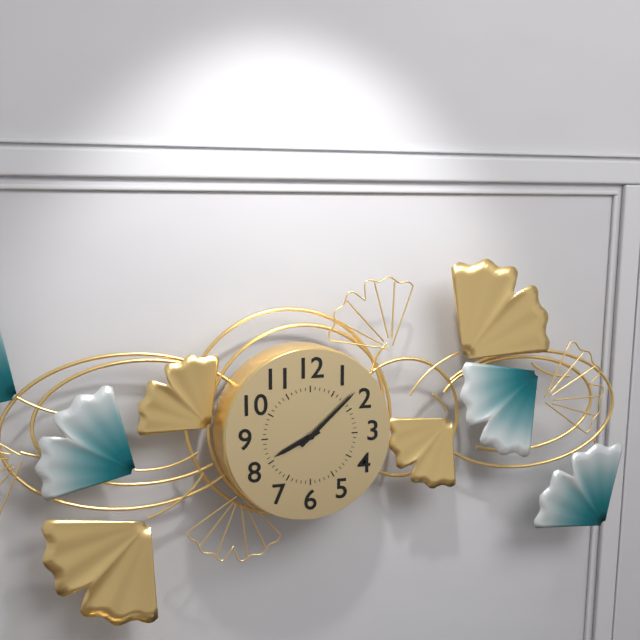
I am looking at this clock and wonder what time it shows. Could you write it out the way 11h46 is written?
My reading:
8h08
